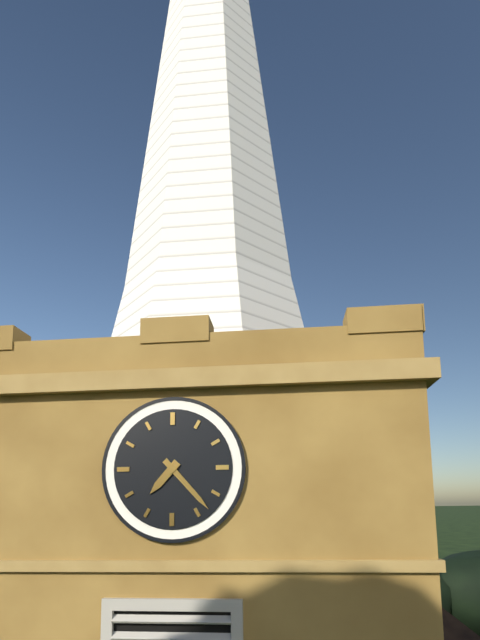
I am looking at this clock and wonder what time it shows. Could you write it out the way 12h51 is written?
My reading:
7h23
